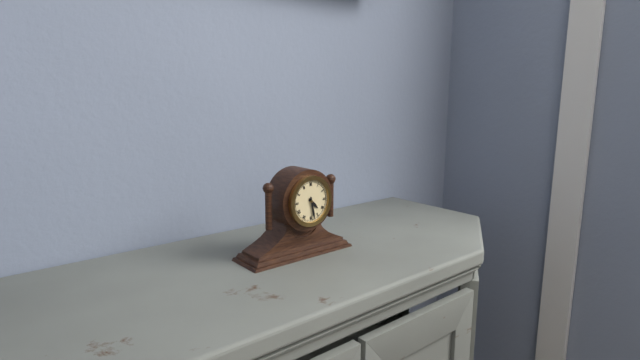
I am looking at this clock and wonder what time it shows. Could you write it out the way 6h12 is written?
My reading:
4h28
